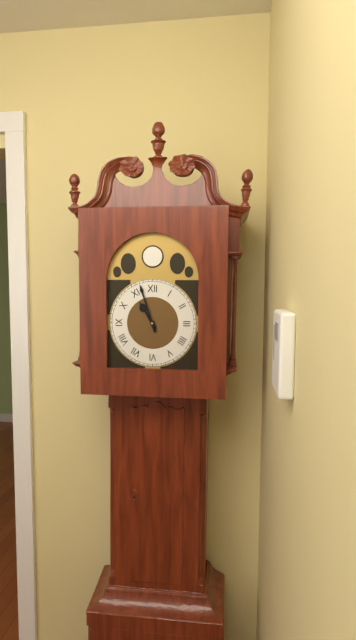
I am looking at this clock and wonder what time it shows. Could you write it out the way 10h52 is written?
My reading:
10h57
